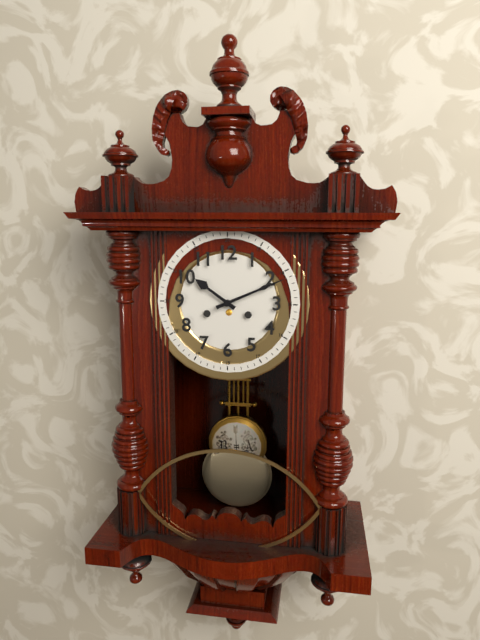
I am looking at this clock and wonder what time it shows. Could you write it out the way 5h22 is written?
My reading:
10h11
